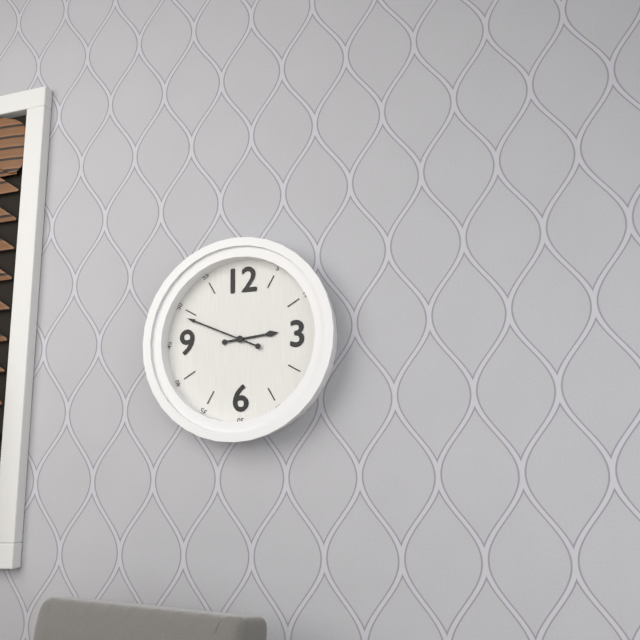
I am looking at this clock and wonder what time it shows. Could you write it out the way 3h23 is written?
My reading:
2h49
